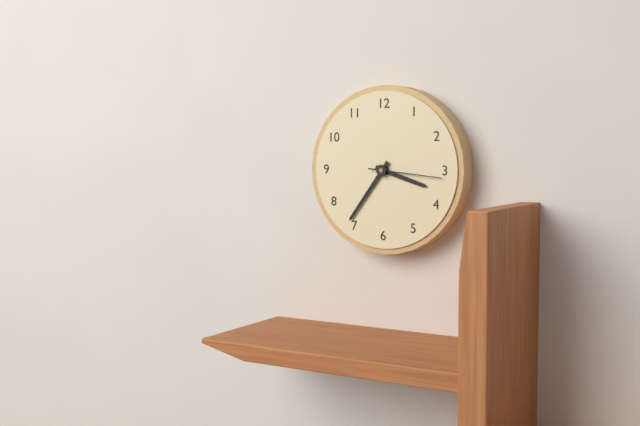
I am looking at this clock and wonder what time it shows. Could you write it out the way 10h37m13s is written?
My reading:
3h36m16s
